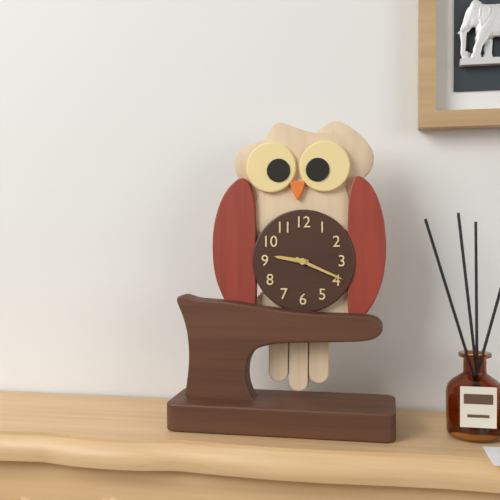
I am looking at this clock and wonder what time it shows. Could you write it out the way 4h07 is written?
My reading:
9h19
